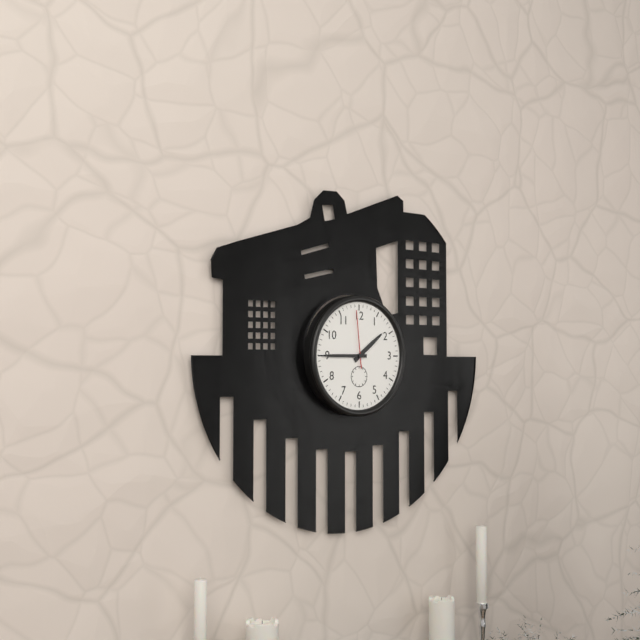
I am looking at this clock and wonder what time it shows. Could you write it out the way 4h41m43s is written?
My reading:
1h45m59s
